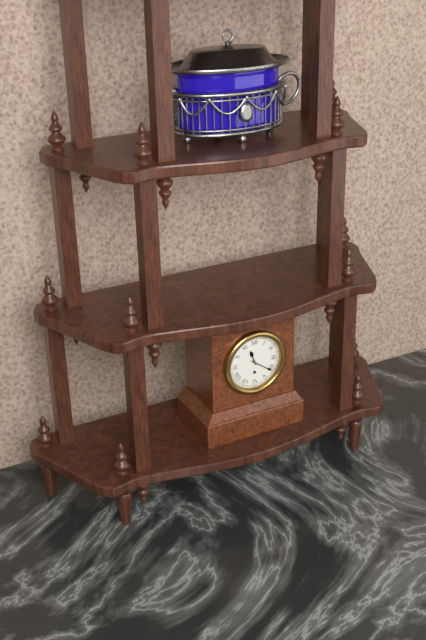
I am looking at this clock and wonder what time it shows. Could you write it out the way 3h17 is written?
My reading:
11h21
